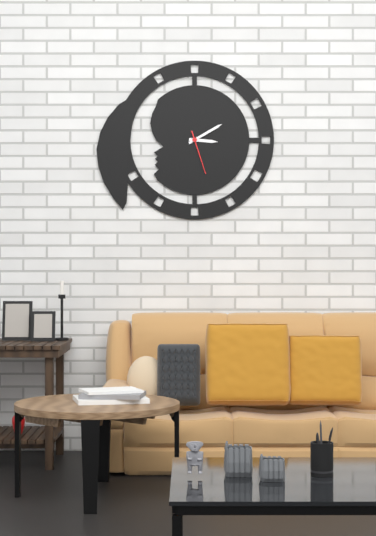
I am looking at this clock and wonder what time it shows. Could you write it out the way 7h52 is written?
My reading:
3h10
